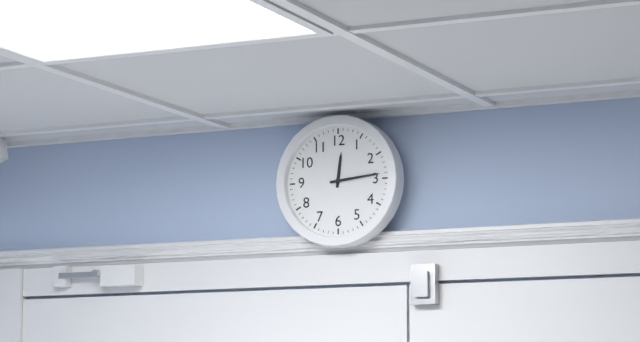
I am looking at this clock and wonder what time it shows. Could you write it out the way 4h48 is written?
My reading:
12h14
